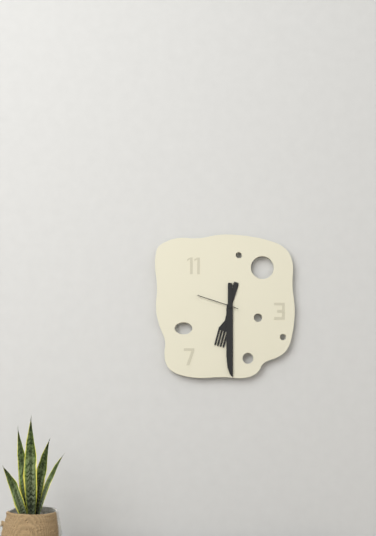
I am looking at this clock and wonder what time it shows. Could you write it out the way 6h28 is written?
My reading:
6h30
